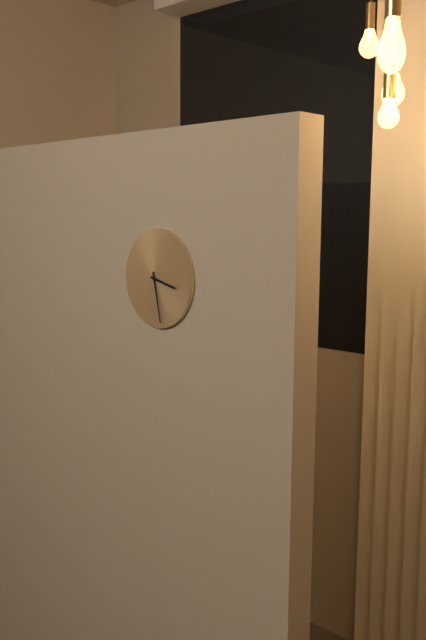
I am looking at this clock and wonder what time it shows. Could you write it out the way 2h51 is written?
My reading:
3h28
